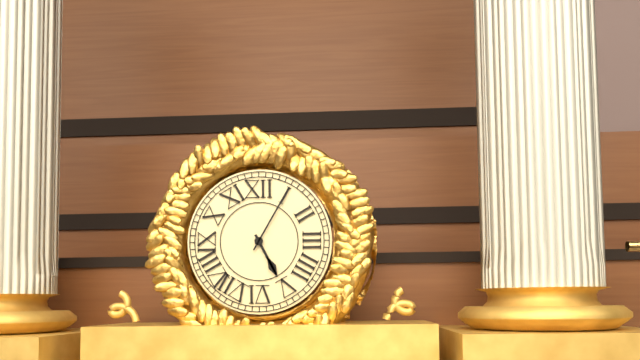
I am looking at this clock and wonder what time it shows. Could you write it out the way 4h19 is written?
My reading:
5h05
